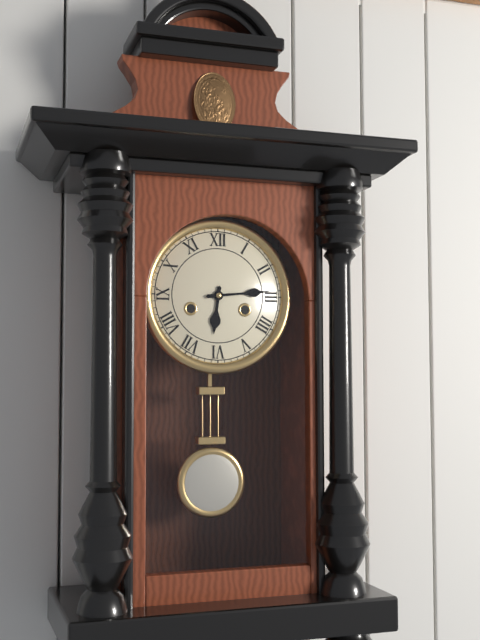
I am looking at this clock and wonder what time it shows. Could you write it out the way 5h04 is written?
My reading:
6h14
